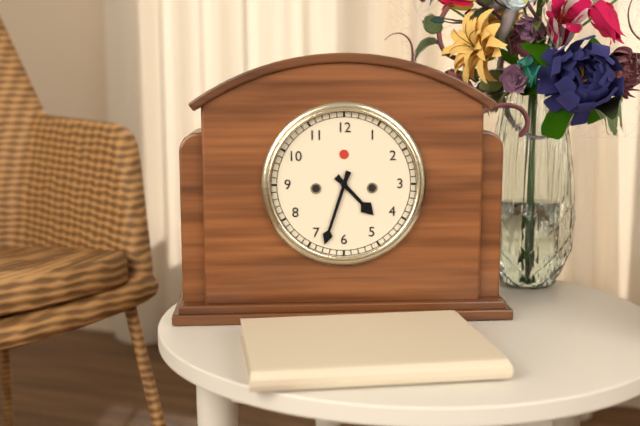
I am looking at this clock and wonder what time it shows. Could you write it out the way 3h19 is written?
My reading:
4h33
